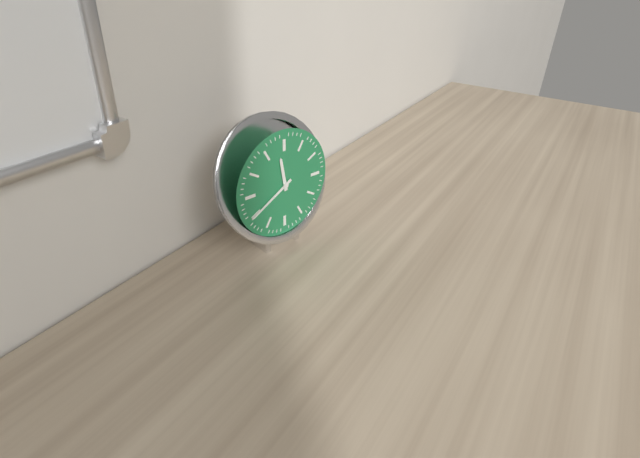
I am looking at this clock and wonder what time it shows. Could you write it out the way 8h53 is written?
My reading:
11h40
